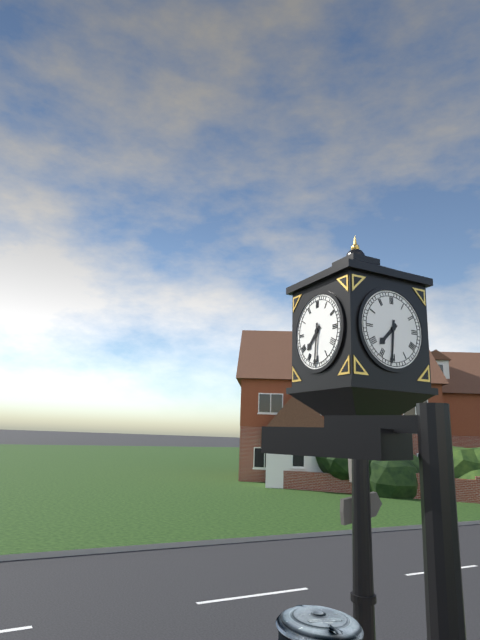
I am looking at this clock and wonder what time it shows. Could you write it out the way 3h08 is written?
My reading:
7h31
